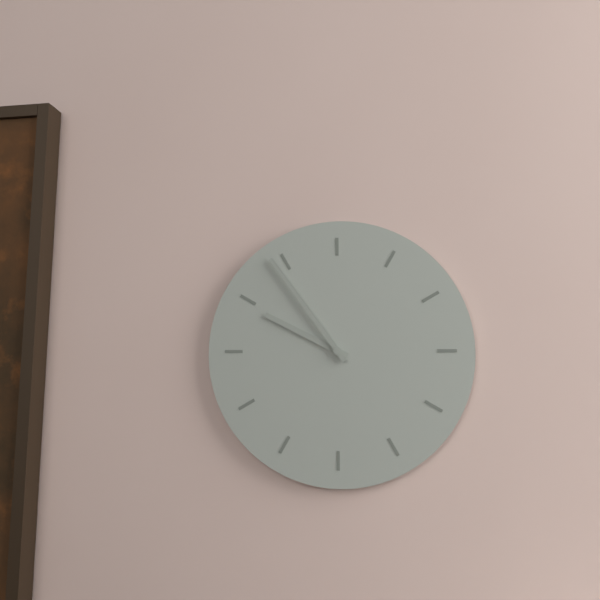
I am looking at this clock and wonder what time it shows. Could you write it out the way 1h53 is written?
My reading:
9h54
